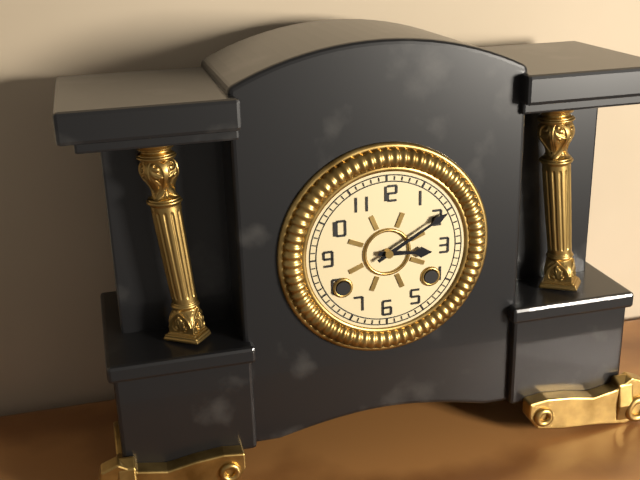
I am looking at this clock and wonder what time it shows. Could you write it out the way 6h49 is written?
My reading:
3h10
